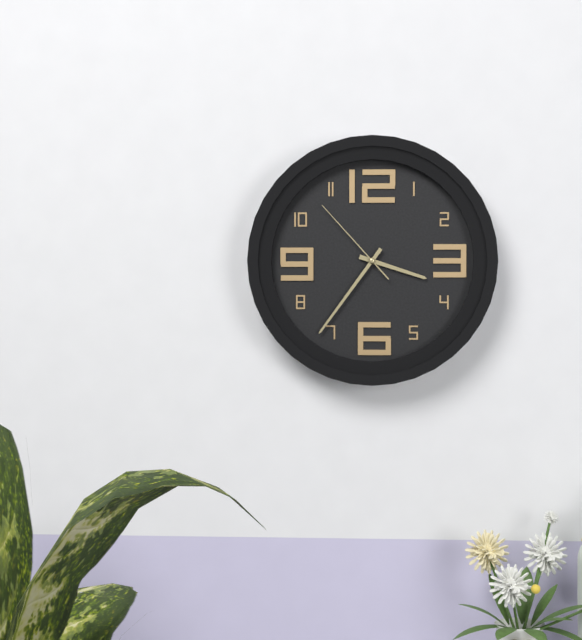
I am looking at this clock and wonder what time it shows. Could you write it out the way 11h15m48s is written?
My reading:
3h36m53s
